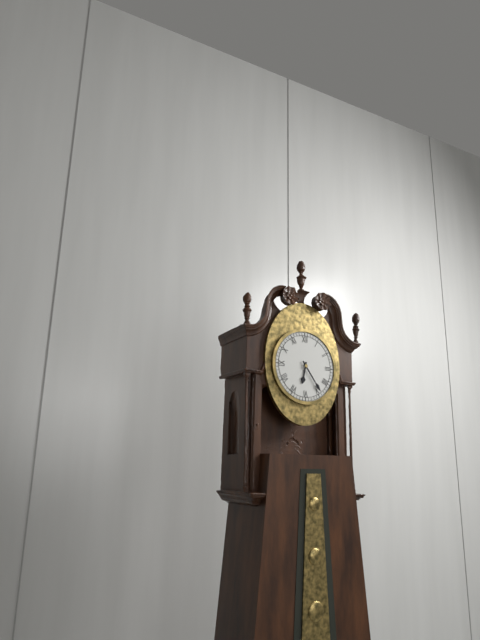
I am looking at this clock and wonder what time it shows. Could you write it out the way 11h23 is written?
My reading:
6h24
